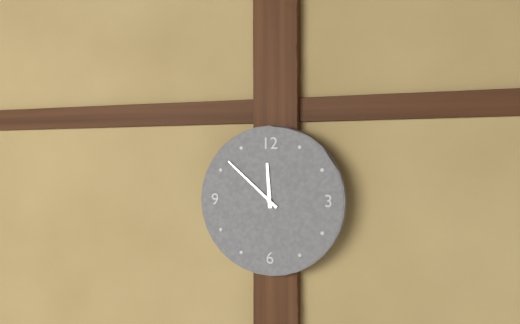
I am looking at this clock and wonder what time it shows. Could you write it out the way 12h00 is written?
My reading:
11h52
